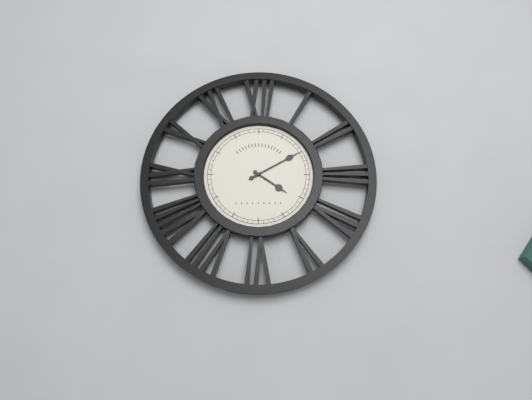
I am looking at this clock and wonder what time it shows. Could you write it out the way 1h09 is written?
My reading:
4h10
